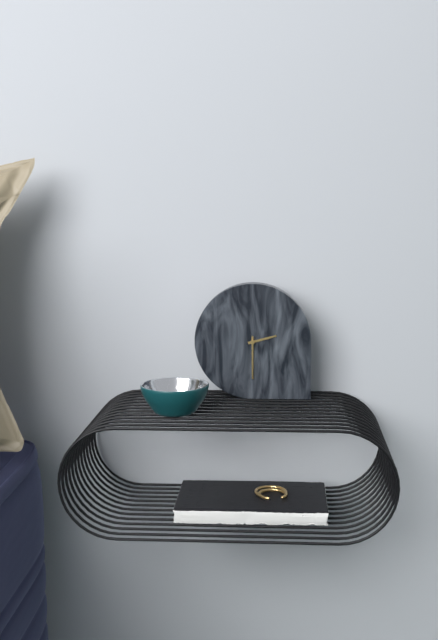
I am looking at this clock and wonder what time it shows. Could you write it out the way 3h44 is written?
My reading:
2h30
